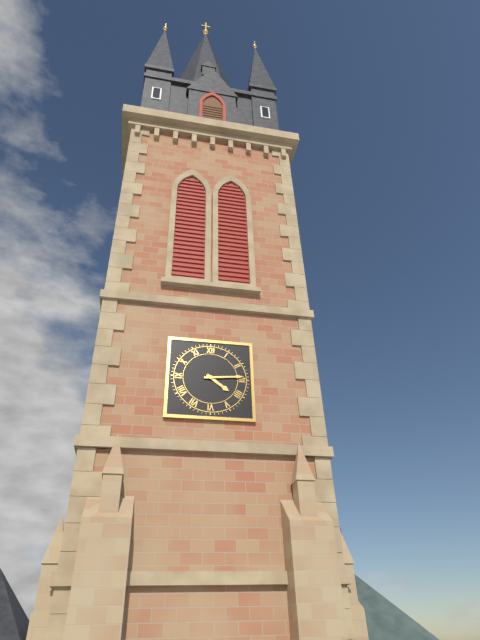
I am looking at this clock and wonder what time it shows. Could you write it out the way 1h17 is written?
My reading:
4h14
